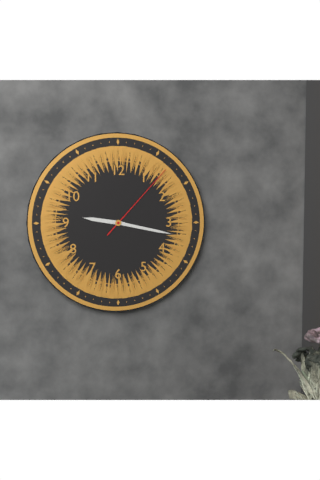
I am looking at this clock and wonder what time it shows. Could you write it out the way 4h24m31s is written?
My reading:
9h17m07s
